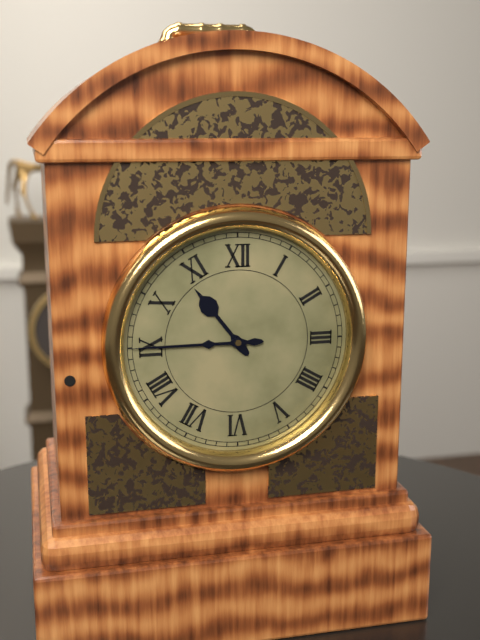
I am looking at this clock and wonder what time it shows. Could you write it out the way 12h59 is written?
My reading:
10h45
